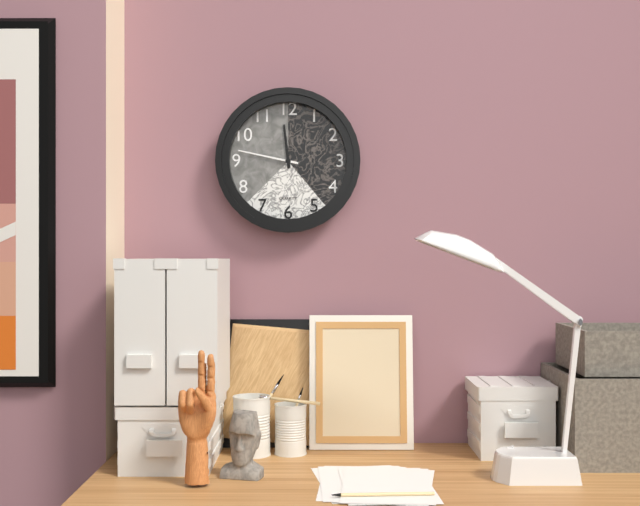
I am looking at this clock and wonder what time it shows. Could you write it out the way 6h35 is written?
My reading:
11h47
